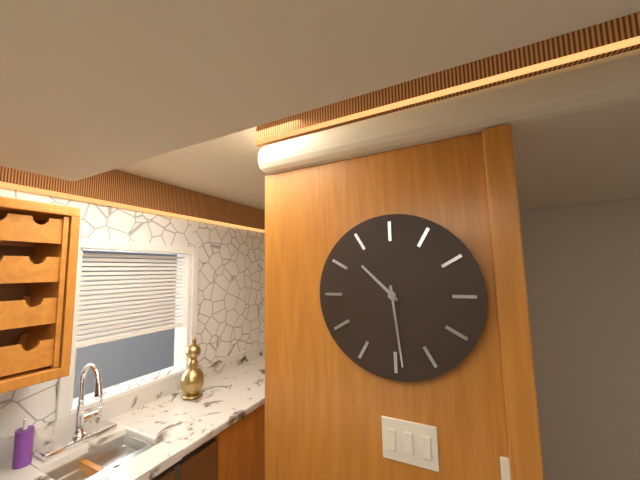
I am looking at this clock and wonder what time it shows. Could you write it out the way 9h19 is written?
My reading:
10h29
